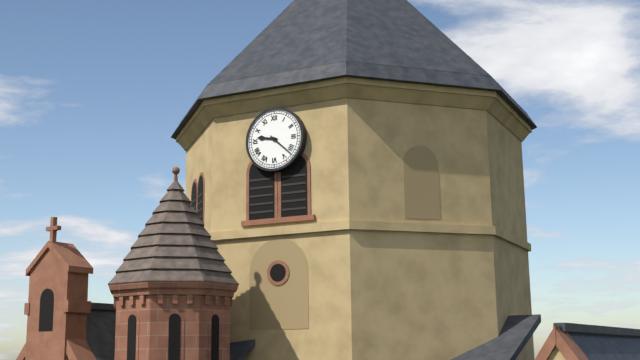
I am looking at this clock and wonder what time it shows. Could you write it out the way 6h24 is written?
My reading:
9h22
